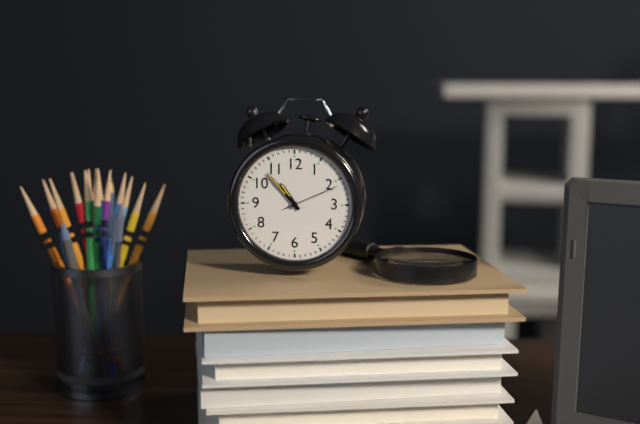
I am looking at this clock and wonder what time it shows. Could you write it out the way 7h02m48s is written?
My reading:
10h53m11s
